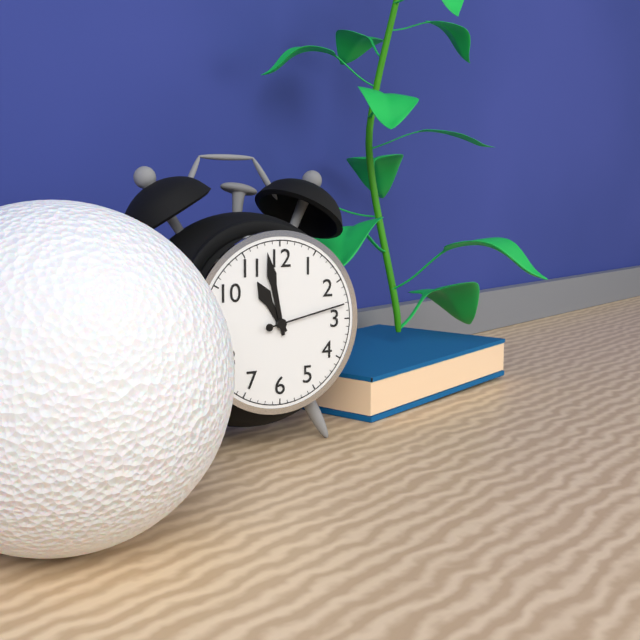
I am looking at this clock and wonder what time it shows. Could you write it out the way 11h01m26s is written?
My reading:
10h58m13s
